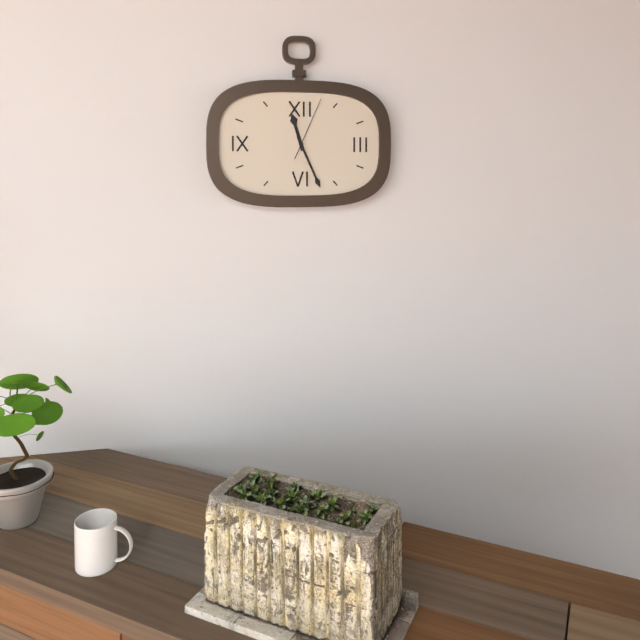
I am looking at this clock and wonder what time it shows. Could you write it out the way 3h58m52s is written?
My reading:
11h26m04s
